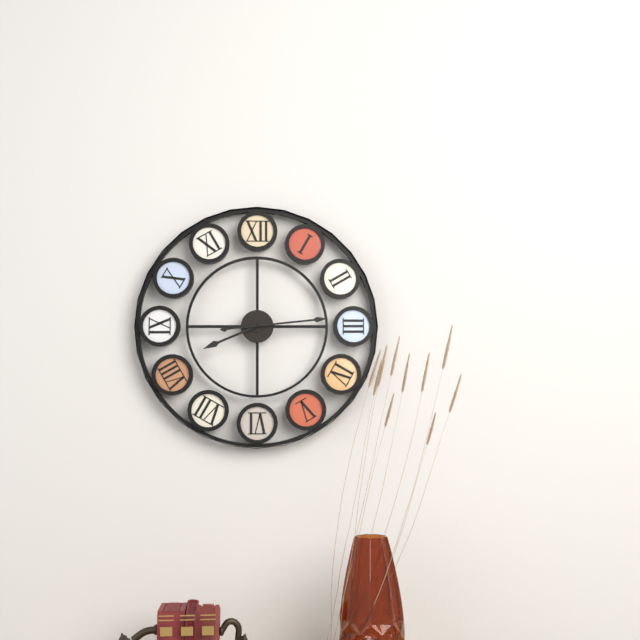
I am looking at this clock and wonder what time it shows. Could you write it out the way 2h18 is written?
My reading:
8h14
